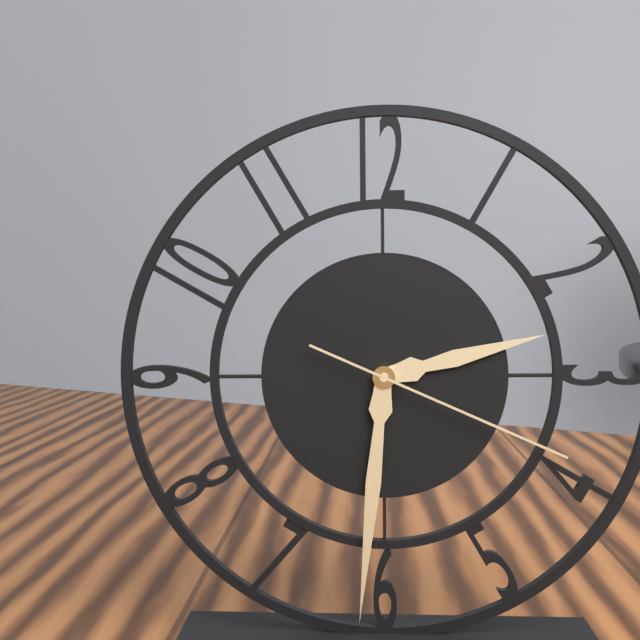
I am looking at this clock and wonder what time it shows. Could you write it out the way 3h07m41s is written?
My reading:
2h31m19s
